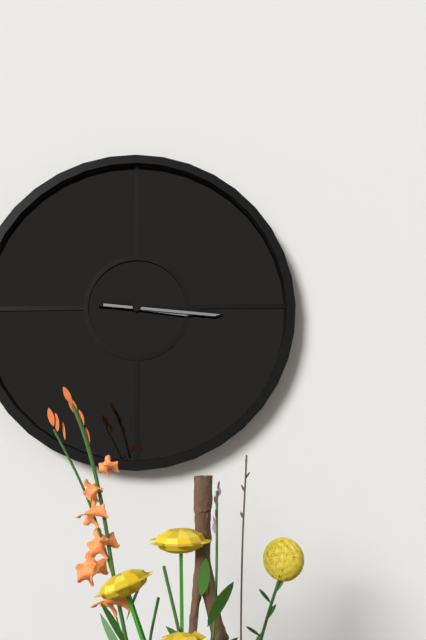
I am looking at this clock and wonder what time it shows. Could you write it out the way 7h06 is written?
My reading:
3h16
